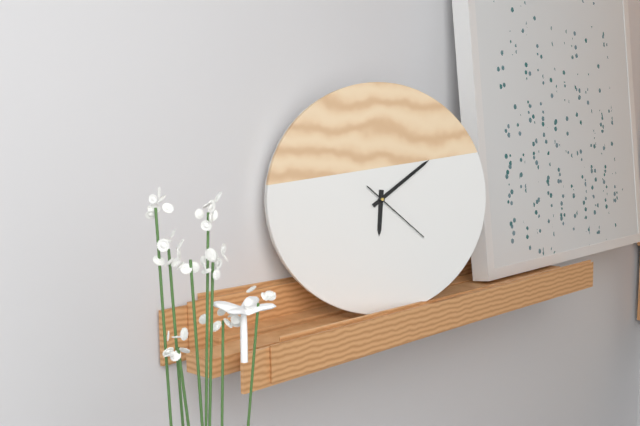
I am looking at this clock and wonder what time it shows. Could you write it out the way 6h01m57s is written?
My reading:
6h09m22s
